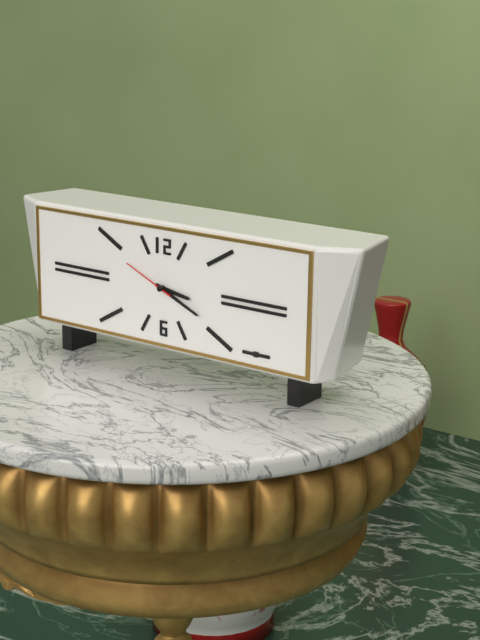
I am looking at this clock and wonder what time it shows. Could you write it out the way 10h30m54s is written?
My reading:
3h19m49s
